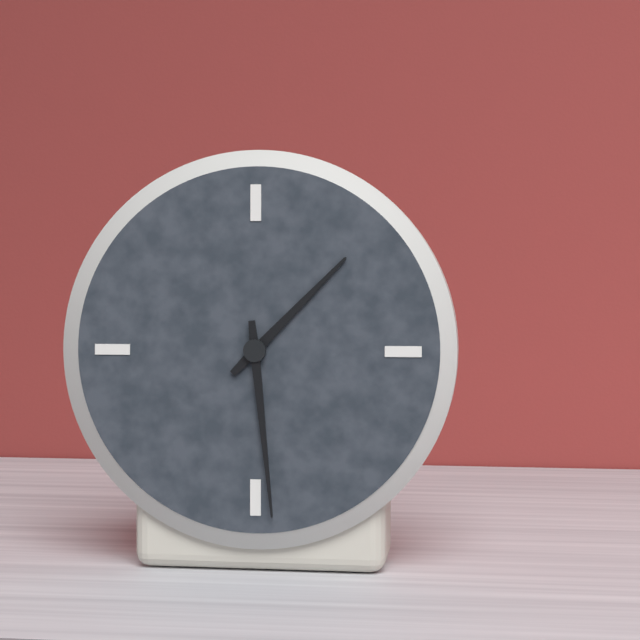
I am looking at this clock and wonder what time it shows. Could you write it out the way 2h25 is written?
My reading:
1h29
